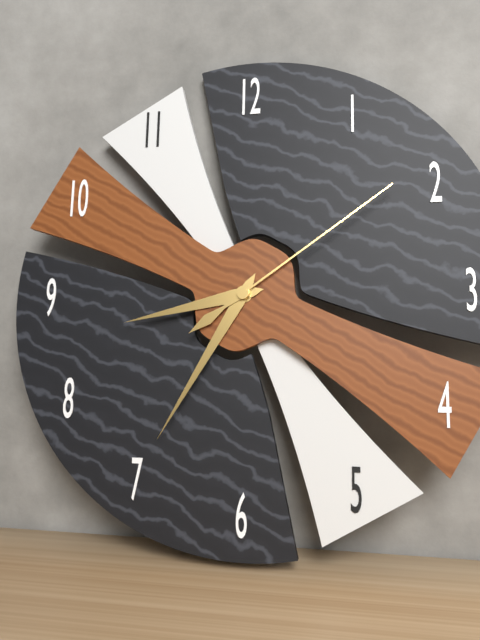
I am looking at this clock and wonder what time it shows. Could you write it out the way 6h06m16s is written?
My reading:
8h35m09s
